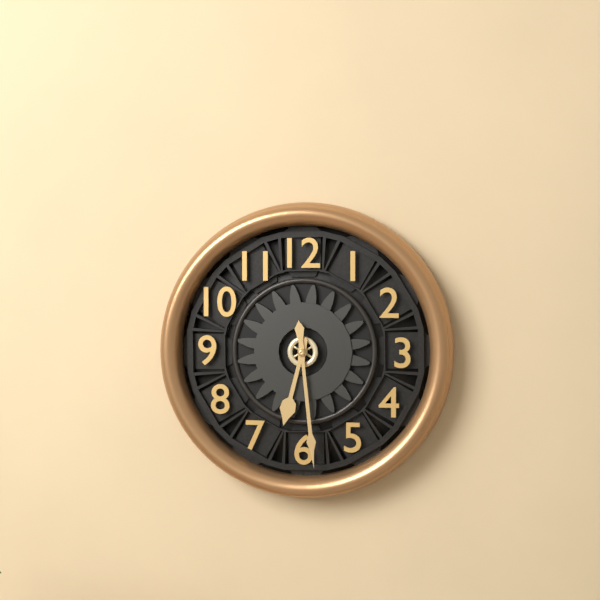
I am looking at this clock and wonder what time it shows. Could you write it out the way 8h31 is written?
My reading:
6h29
